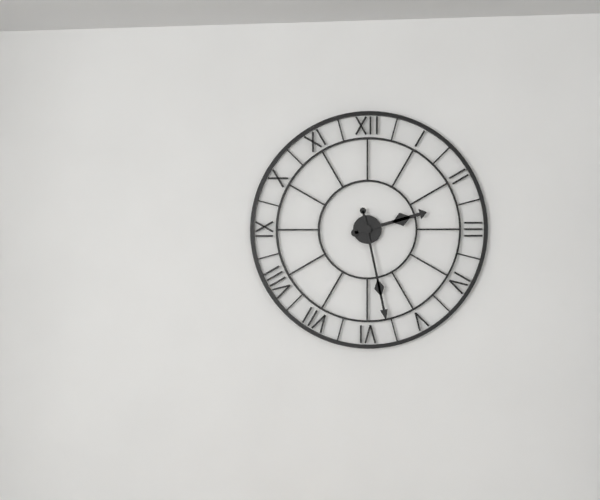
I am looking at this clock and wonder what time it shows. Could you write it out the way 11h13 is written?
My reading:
2h28
